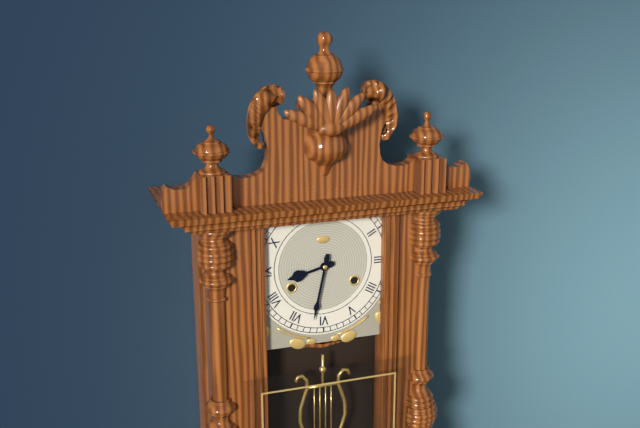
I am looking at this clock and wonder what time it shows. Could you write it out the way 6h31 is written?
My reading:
8h32
